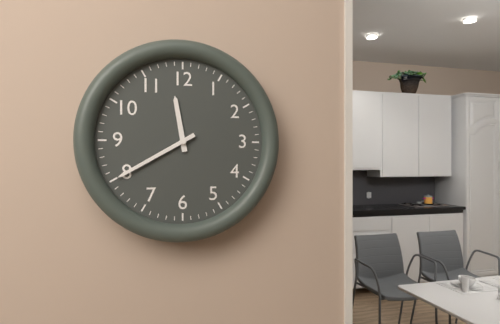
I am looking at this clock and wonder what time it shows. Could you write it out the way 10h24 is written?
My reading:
11h40
